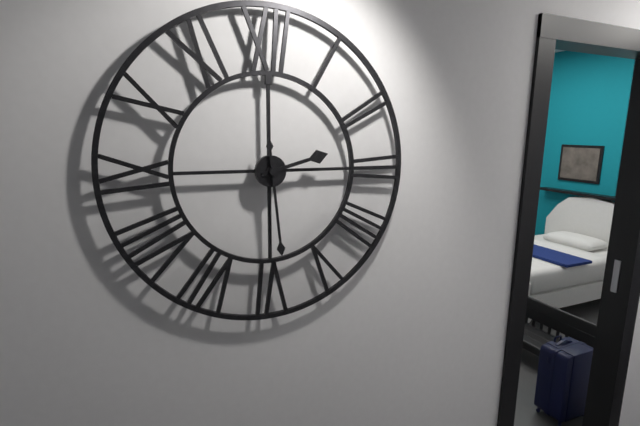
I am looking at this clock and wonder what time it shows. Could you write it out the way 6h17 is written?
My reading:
2h29
